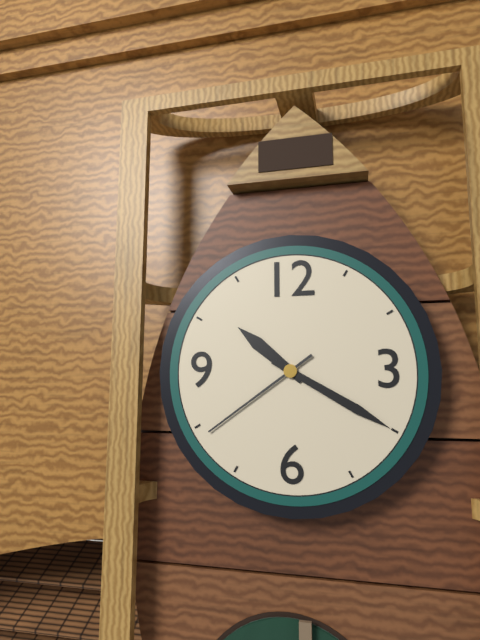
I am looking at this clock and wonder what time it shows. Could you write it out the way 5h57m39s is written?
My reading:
10h20m39s
